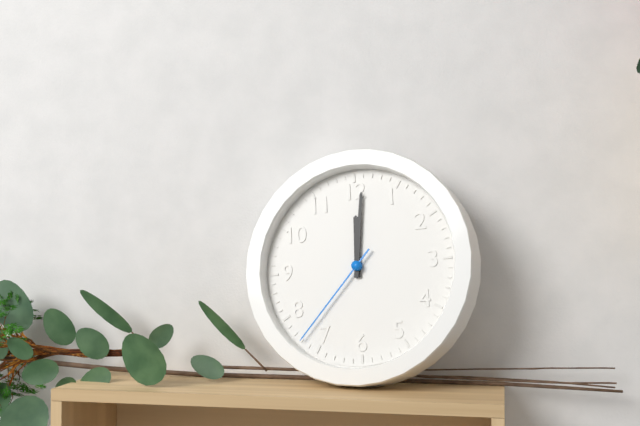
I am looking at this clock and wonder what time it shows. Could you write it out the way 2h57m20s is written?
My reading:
12h01m37s
